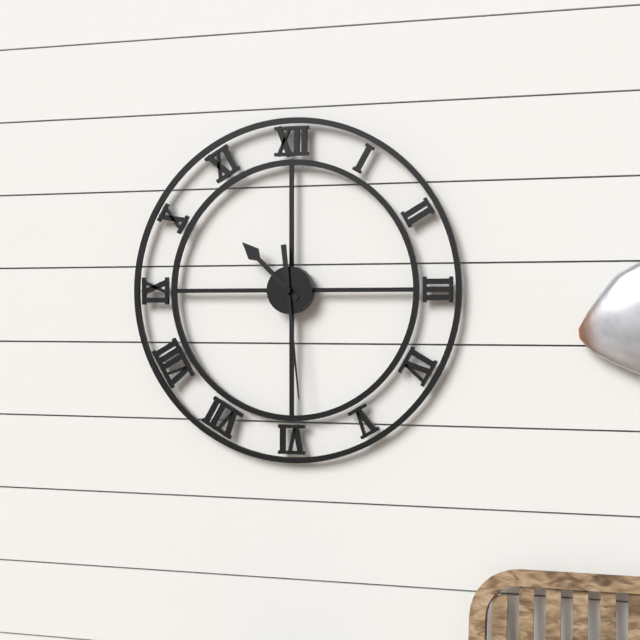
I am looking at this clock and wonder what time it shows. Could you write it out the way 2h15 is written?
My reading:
10h29
